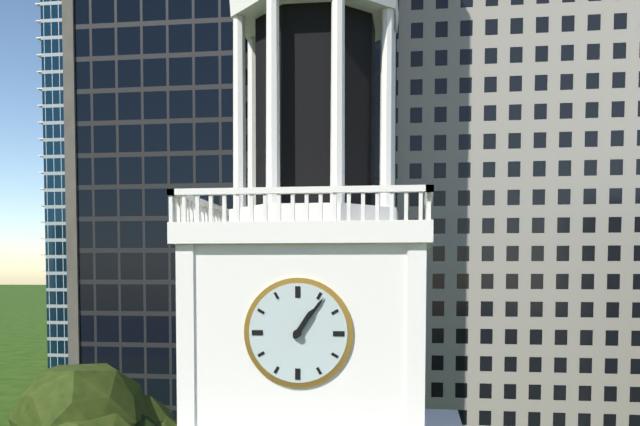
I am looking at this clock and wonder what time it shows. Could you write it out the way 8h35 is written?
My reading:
1h06
